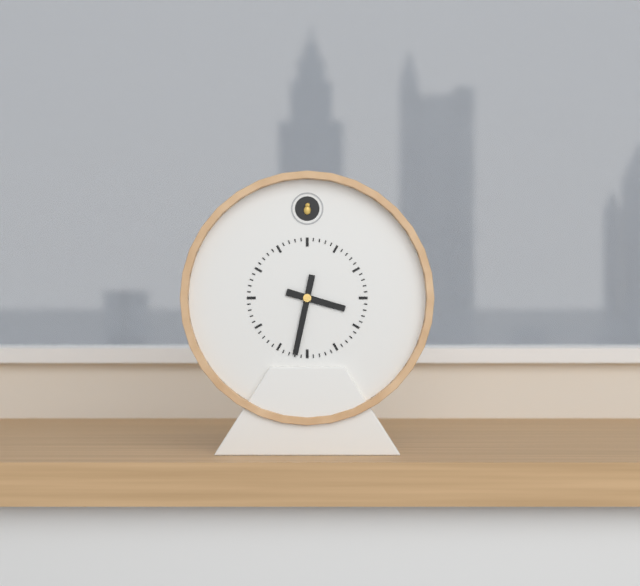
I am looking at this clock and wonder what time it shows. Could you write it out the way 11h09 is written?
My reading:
3h32
